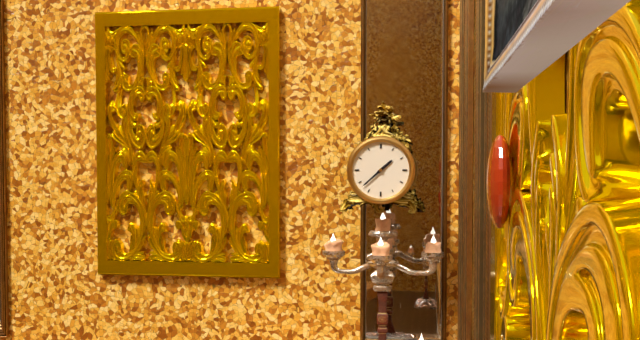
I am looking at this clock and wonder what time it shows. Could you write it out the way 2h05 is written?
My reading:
1h38
